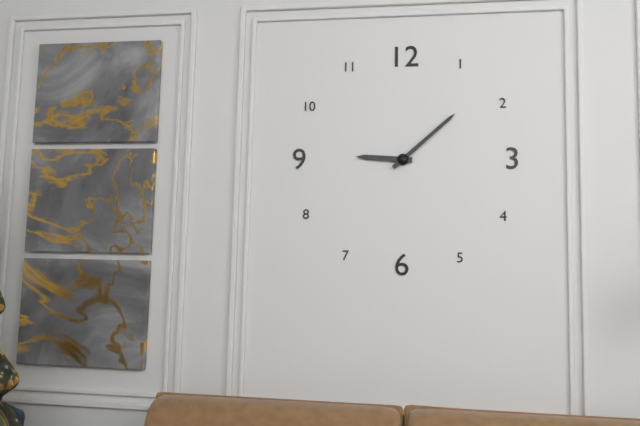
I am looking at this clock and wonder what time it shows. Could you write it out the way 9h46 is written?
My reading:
9h08
